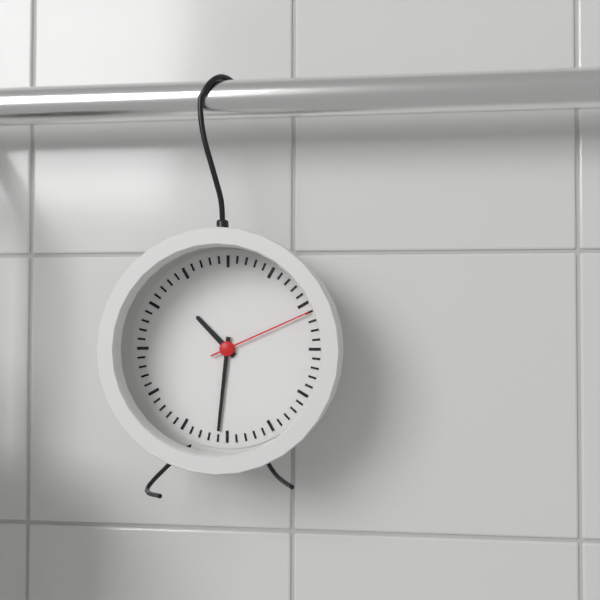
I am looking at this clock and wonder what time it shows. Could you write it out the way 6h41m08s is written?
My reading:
10h31m11s
